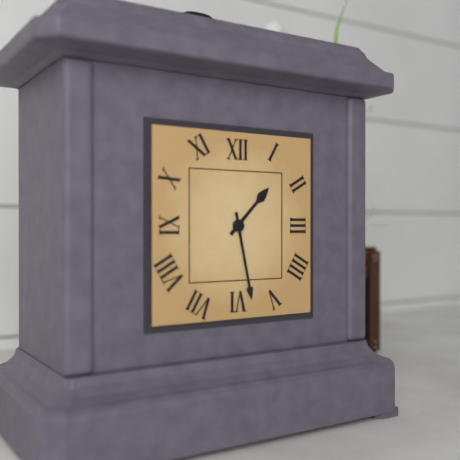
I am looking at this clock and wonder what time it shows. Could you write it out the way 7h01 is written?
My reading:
1h28
